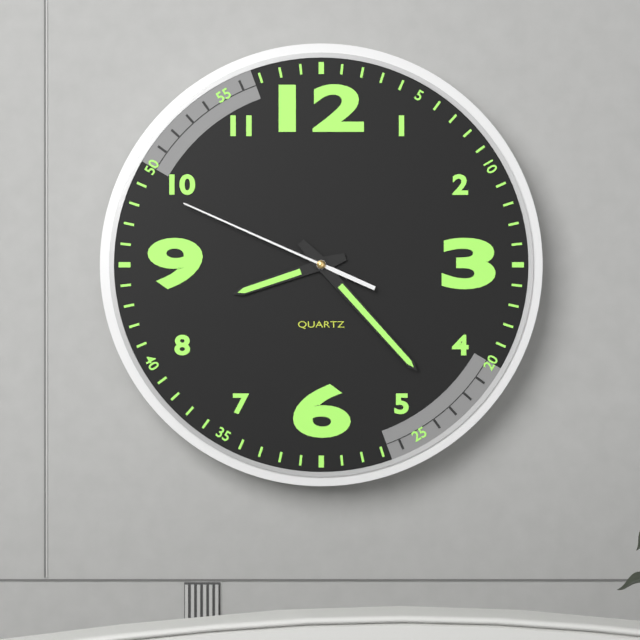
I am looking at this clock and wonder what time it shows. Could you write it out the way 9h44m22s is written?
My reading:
8h23m49s
